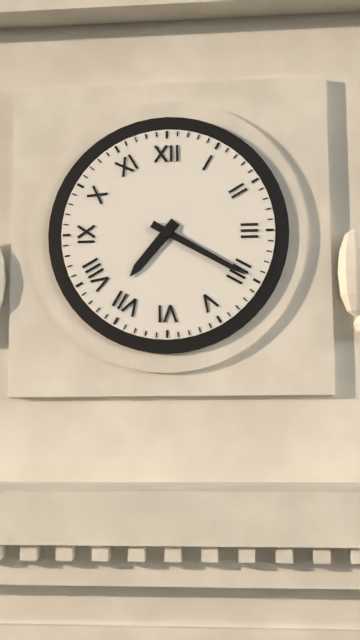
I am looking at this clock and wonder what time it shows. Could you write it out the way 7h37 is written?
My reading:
7h20
